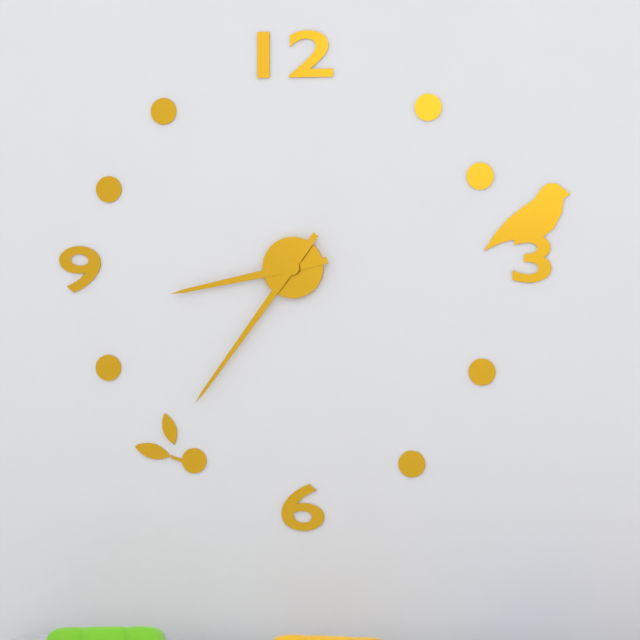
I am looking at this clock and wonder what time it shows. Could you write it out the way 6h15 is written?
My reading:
8h36
